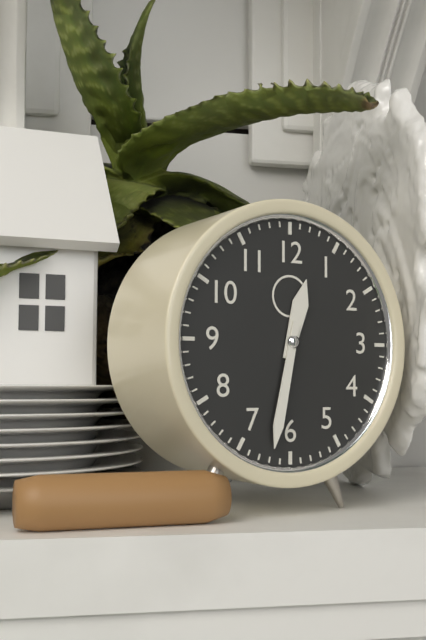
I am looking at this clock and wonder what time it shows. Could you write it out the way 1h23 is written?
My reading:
12h32
